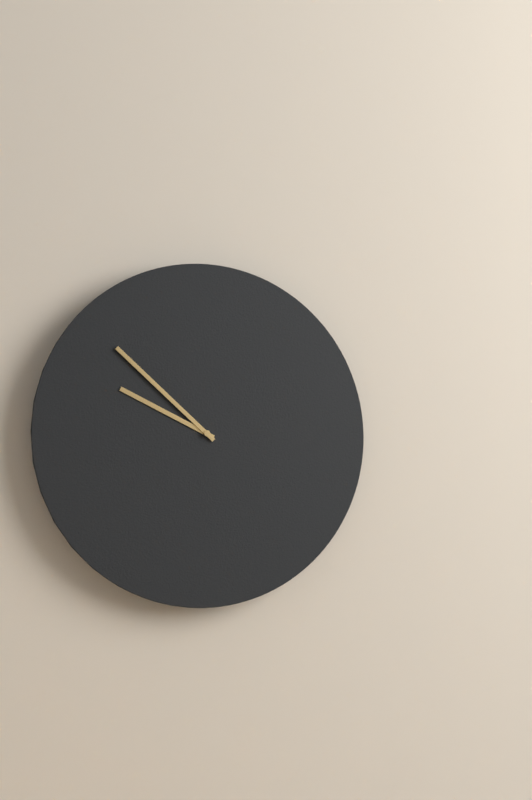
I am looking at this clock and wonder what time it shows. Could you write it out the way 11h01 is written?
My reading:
9h52
